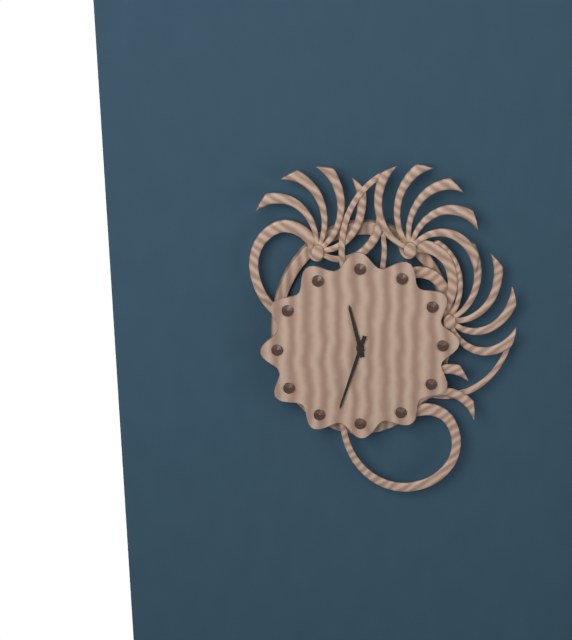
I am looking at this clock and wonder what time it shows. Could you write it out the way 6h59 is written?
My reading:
11h33
